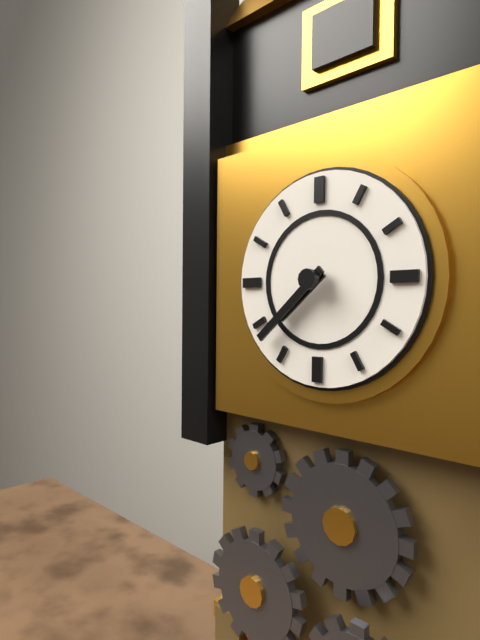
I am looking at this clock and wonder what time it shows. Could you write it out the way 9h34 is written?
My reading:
7h38
